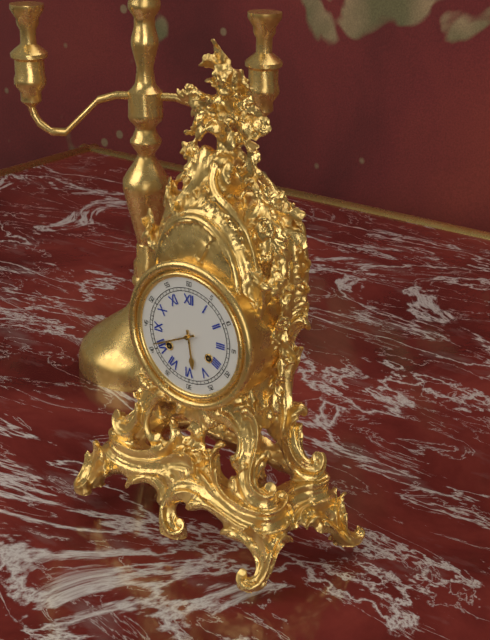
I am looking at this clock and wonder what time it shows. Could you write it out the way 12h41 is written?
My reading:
5h41
